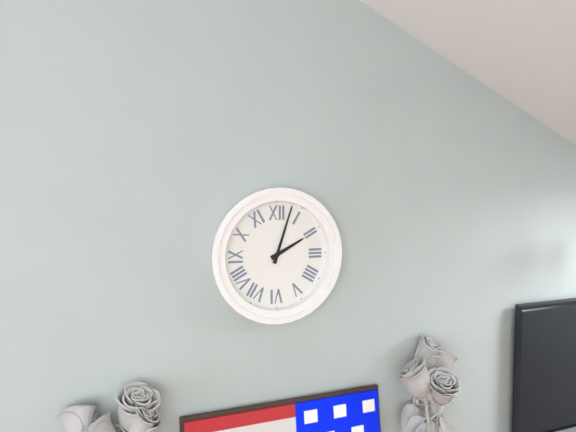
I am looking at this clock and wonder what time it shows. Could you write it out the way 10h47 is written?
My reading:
2h03
